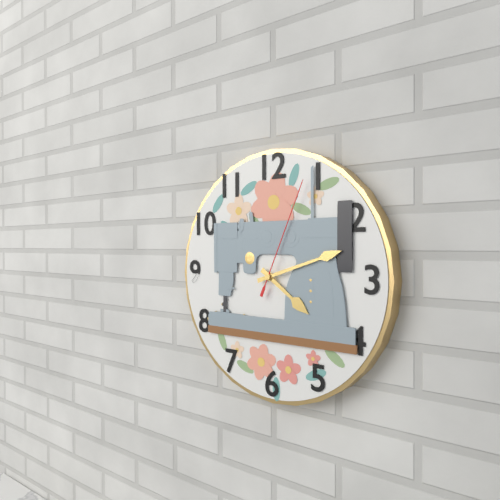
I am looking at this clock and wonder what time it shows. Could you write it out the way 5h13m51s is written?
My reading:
4h12m04s
